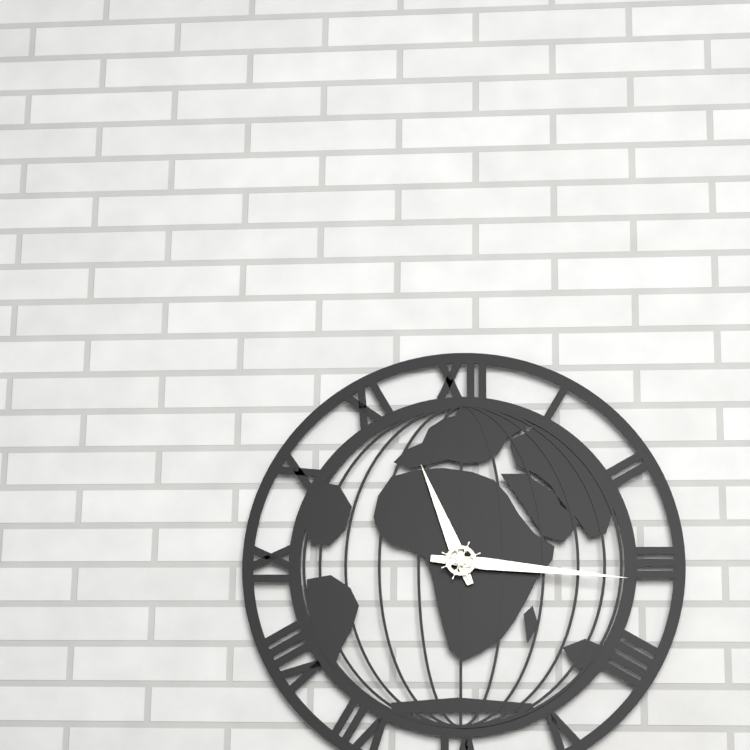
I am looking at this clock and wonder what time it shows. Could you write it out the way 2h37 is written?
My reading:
11h16
